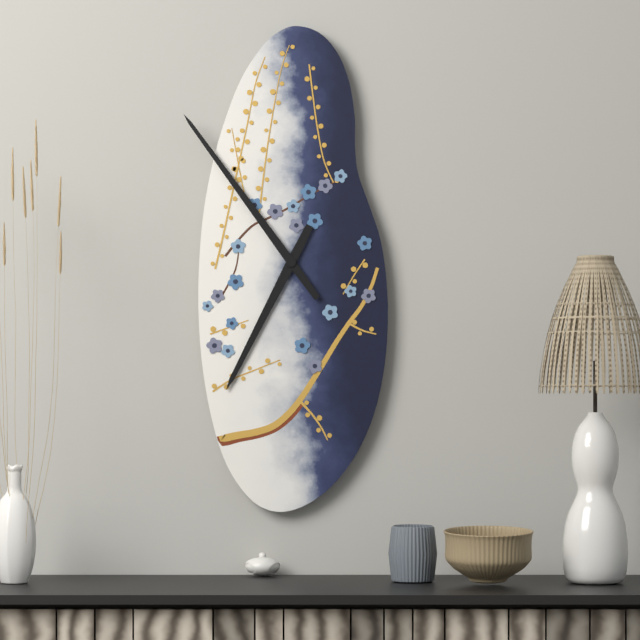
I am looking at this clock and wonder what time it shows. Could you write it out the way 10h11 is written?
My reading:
6h54
